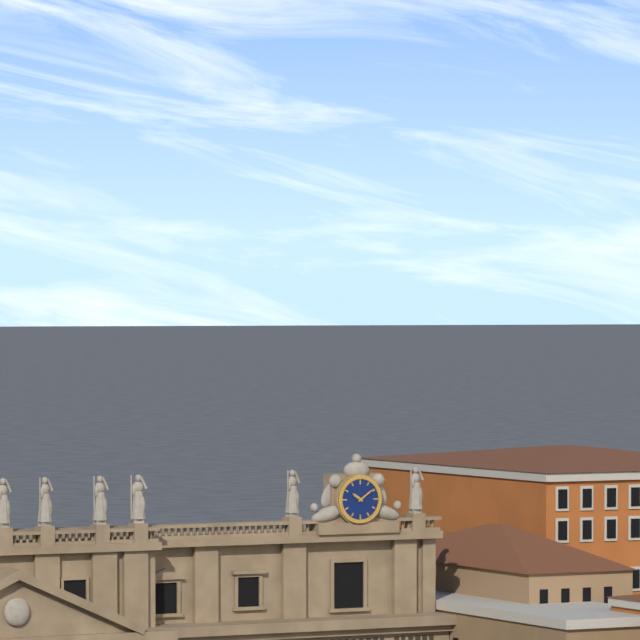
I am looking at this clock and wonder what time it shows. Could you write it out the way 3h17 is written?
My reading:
10h09
